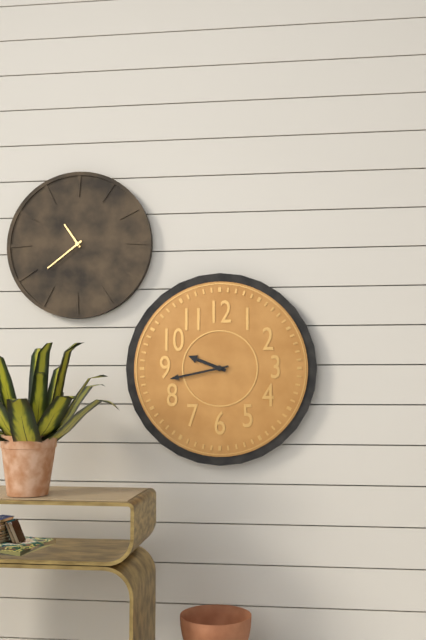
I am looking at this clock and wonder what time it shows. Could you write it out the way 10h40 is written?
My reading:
9h43
